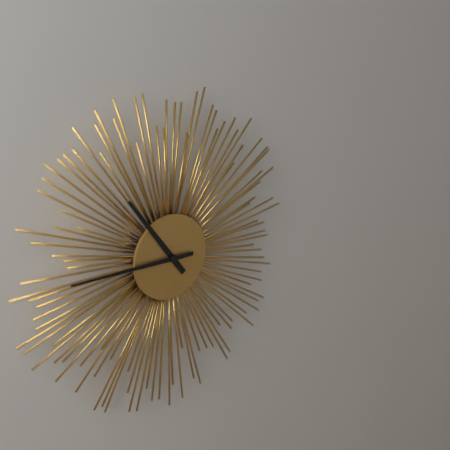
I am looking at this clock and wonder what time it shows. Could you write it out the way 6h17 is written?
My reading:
10h45
